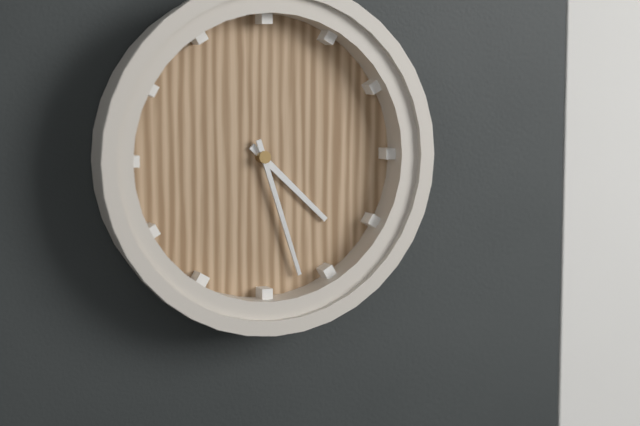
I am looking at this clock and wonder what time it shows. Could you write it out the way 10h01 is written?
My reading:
4h27
